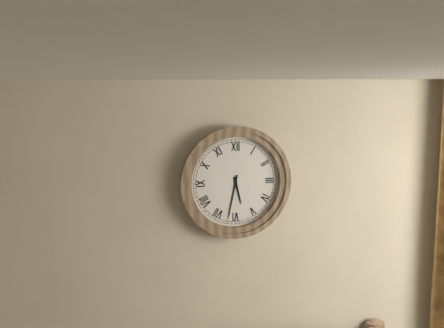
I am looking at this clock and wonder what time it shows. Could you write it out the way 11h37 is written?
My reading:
5h32
